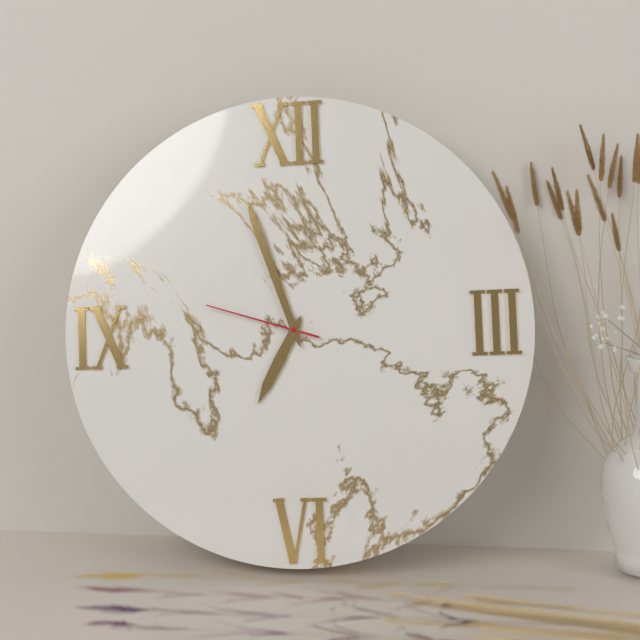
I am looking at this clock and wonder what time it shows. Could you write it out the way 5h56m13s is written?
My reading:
6h57m48s
